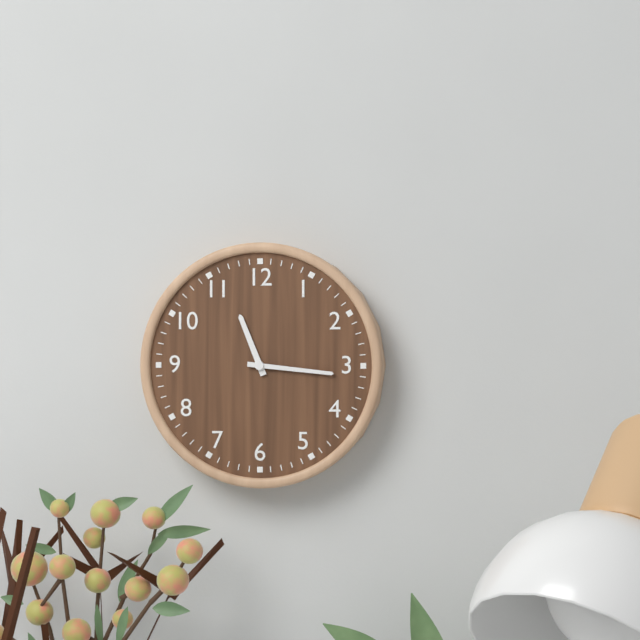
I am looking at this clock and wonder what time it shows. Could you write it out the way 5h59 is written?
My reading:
11h16
